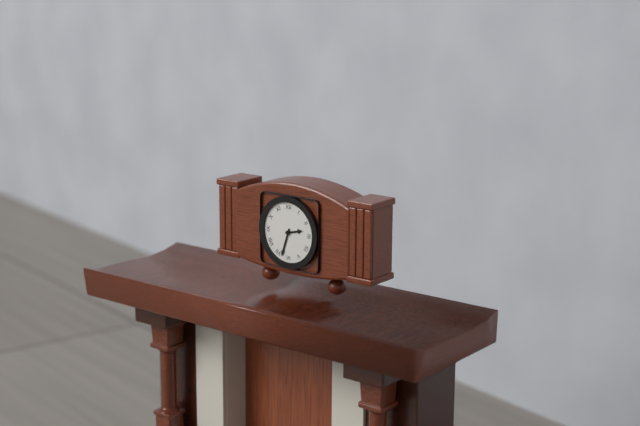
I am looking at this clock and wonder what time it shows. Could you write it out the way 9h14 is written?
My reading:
2h33
